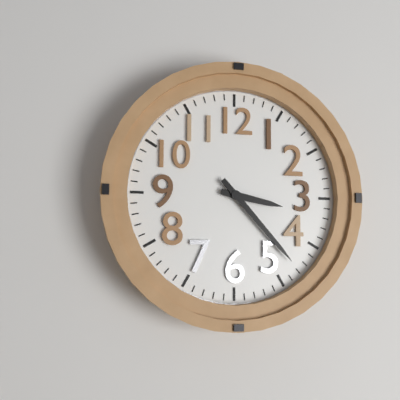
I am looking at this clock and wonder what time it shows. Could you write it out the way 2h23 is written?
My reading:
3h23
